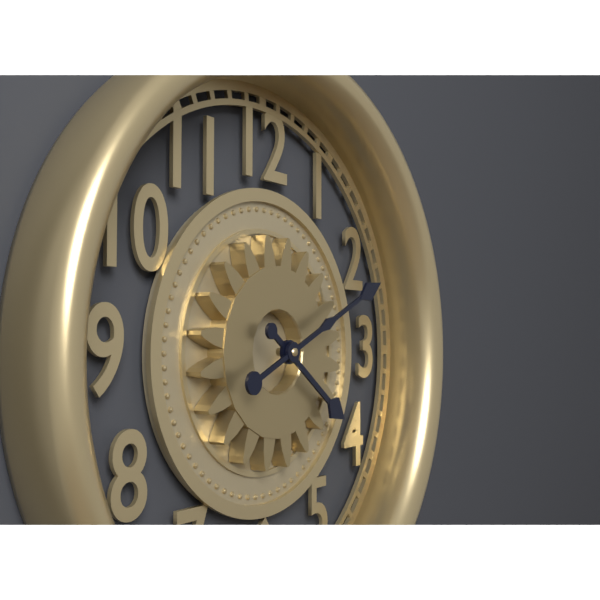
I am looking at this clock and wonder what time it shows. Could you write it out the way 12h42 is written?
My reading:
4h11
